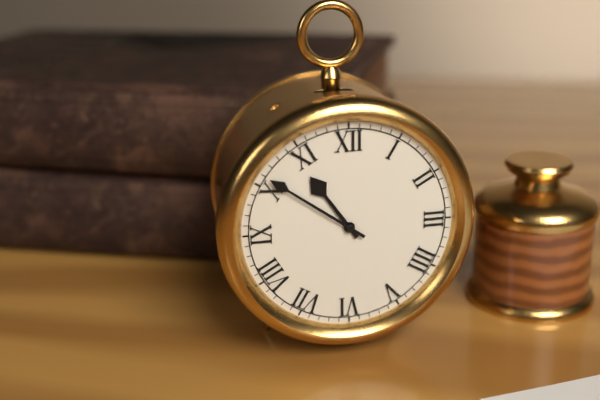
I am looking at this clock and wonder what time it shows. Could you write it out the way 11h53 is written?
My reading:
10h51
